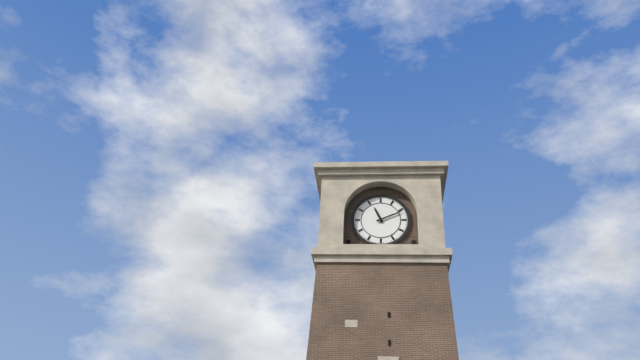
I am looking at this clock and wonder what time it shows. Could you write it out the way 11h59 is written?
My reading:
11h11
